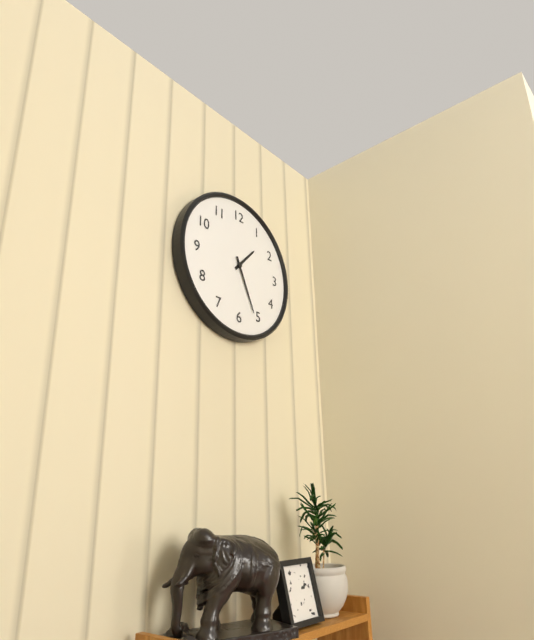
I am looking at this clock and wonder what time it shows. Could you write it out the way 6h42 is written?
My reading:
1h26
